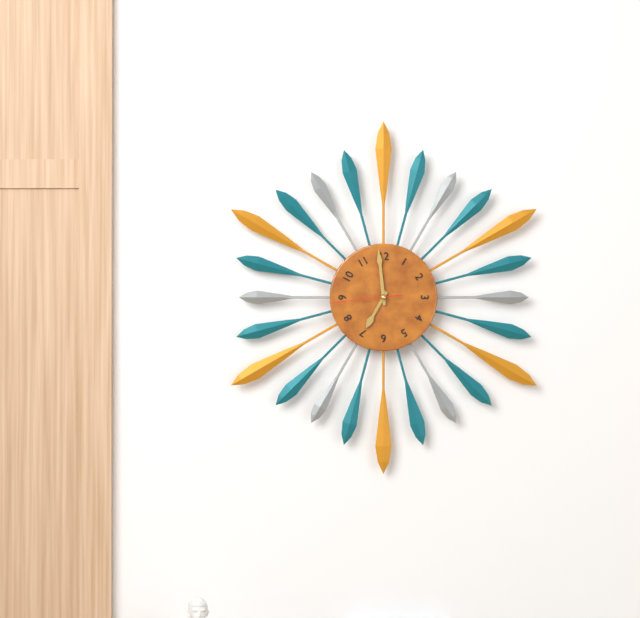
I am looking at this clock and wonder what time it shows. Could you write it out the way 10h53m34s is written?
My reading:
6h59m44s
